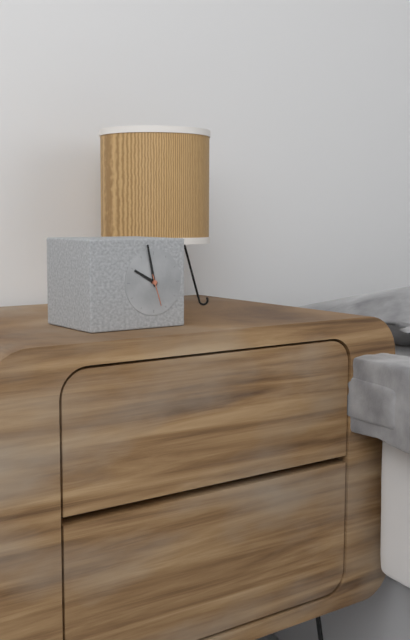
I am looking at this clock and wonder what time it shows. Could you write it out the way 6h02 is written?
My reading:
9h58
